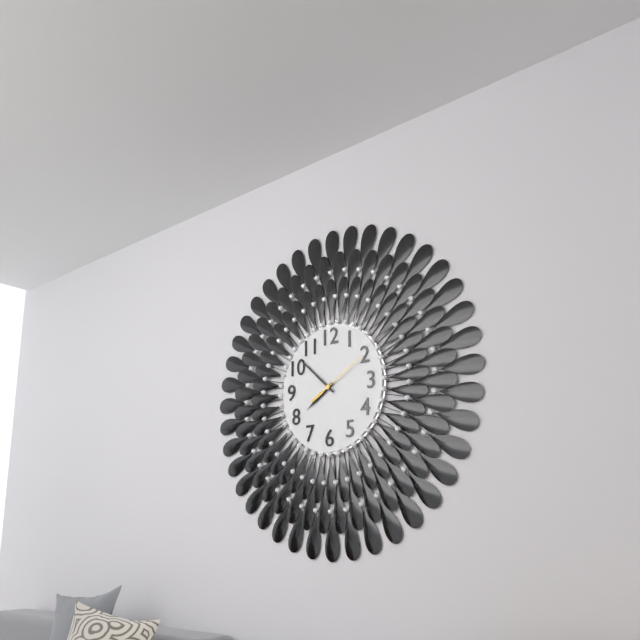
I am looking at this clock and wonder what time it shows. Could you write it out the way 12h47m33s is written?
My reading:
7h52m10s
